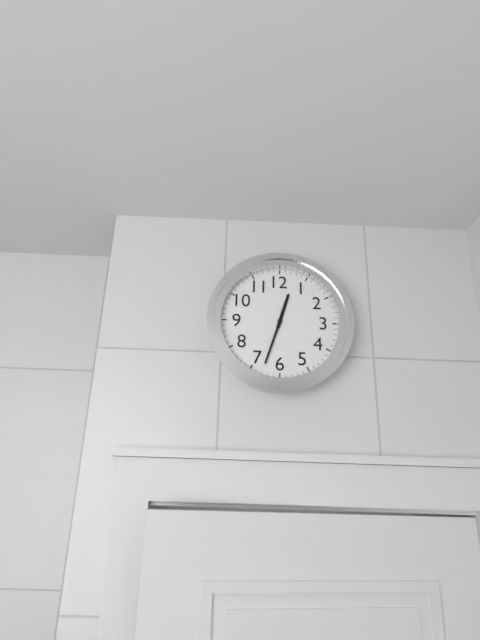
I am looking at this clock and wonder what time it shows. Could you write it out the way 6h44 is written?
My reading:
12h33
